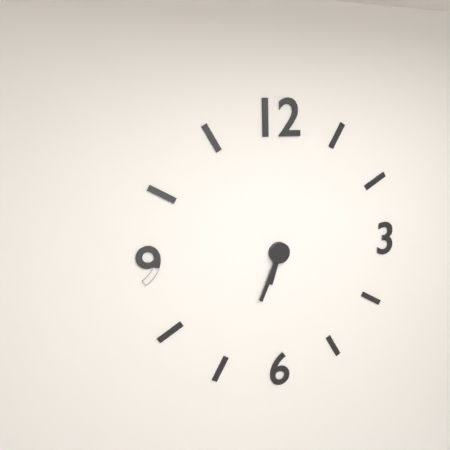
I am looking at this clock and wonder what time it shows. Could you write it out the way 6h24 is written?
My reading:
6h34
